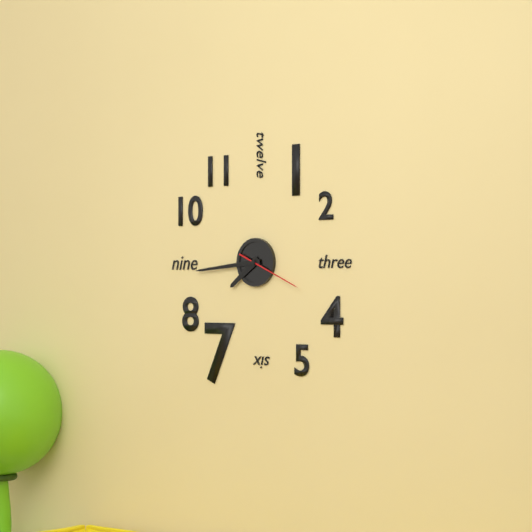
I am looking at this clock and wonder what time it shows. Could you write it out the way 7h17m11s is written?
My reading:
7h44m19s
